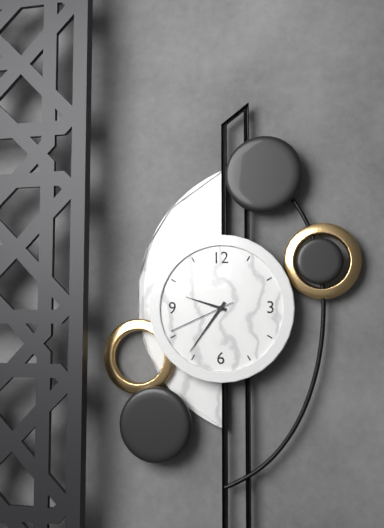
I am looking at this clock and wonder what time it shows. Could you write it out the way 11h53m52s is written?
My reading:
9h36m41s
